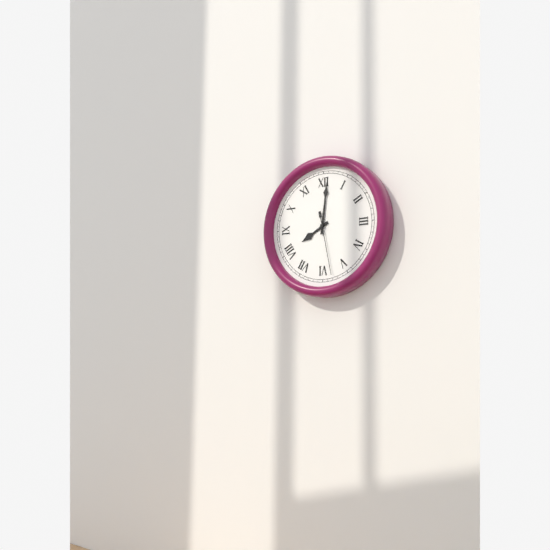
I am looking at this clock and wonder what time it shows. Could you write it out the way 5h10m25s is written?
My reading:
8h01m28s
